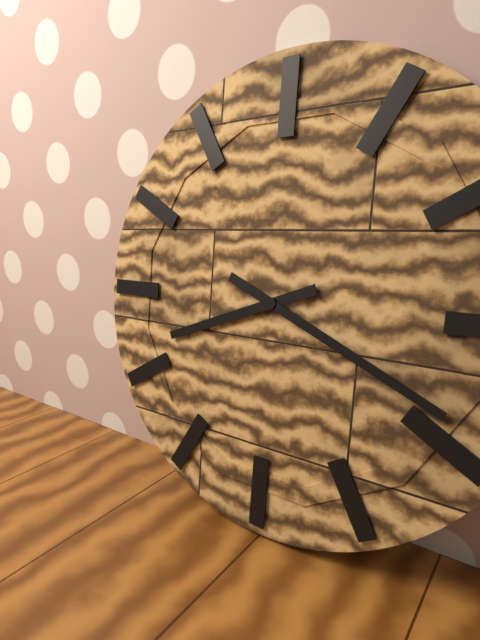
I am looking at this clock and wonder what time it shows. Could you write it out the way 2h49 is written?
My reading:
8h19
